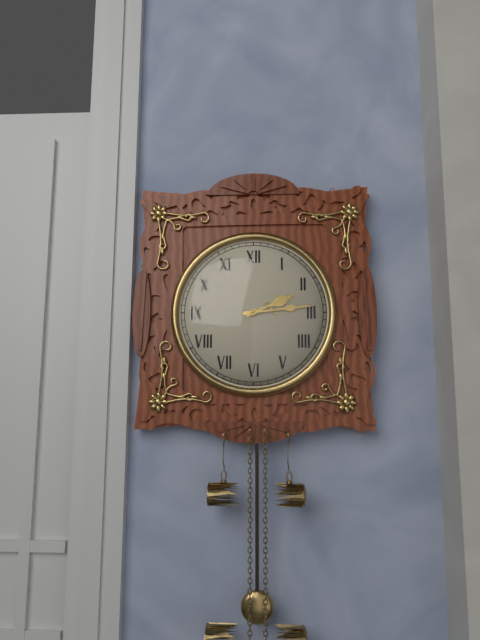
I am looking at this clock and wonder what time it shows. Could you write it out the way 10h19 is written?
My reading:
2h14
